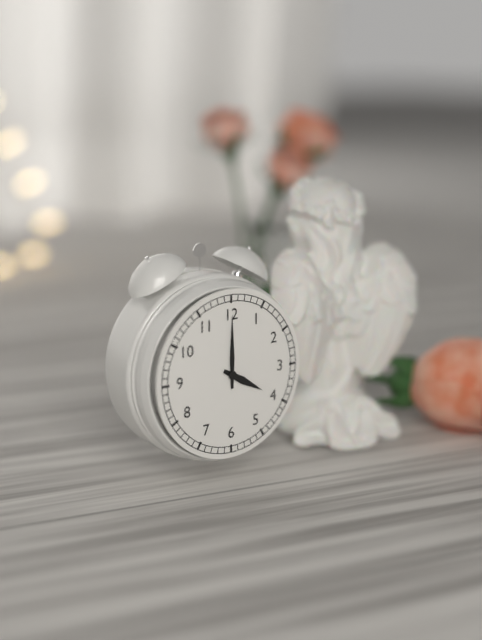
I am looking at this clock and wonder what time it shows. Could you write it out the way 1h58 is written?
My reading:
4h00
